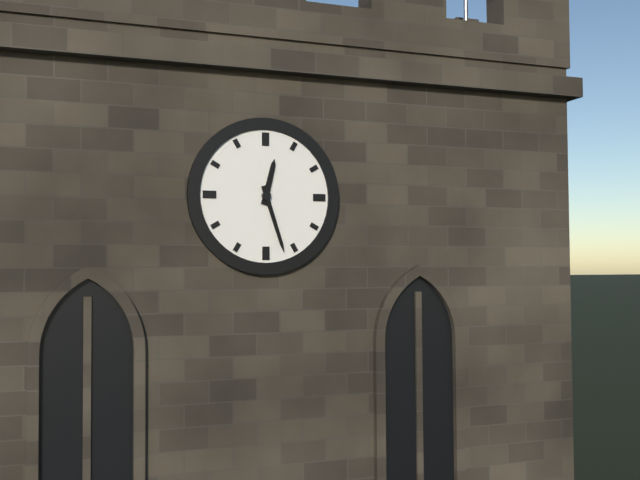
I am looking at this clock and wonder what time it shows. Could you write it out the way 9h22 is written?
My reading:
12h27
